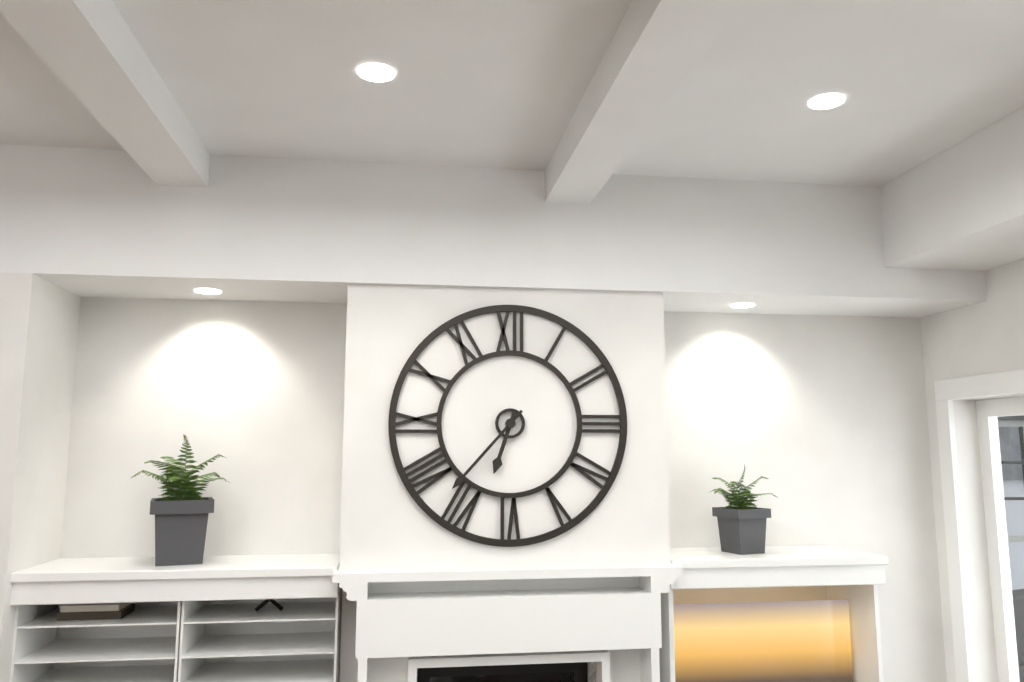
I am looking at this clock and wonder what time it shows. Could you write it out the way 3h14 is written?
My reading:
6h37
